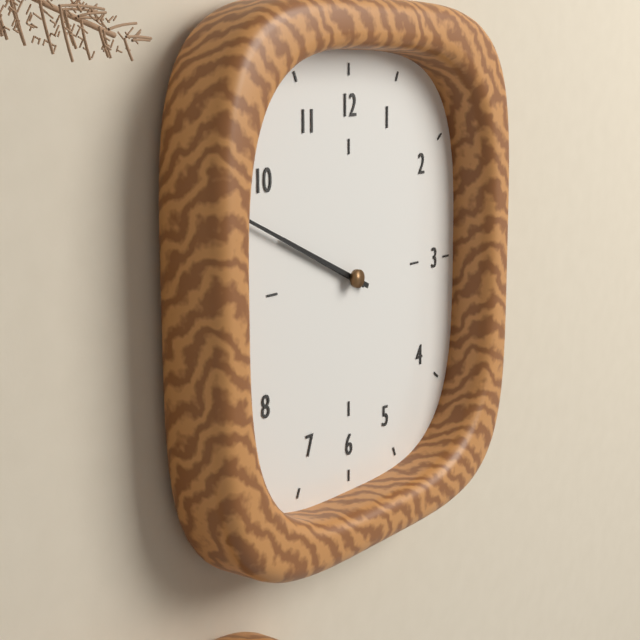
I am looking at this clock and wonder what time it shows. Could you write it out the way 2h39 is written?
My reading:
9h49
